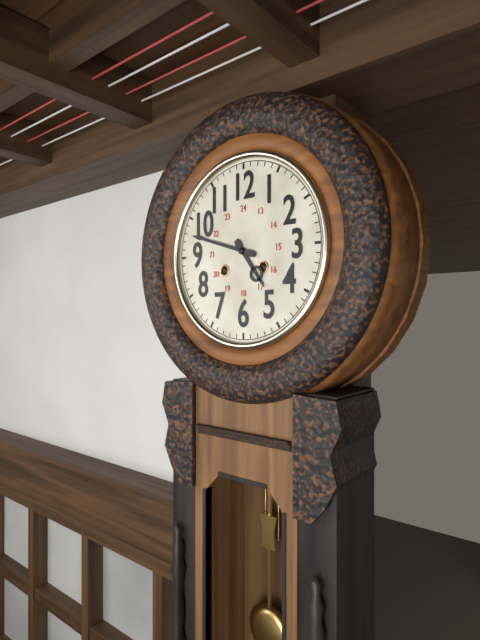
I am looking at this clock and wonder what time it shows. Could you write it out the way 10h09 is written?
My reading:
4h48
